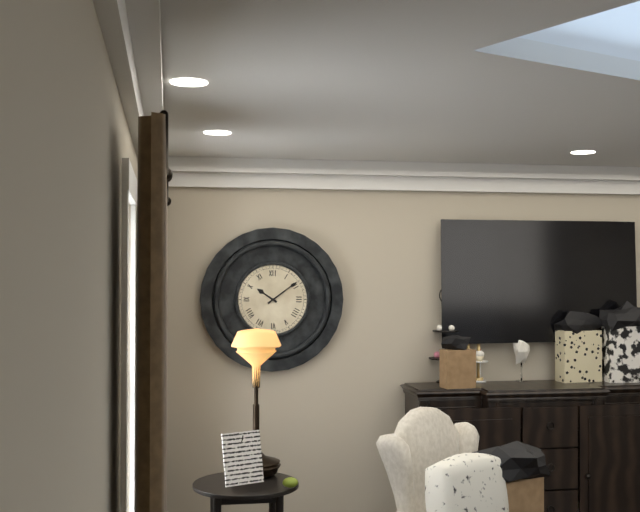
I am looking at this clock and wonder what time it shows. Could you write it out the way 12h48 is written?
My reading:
10h09
